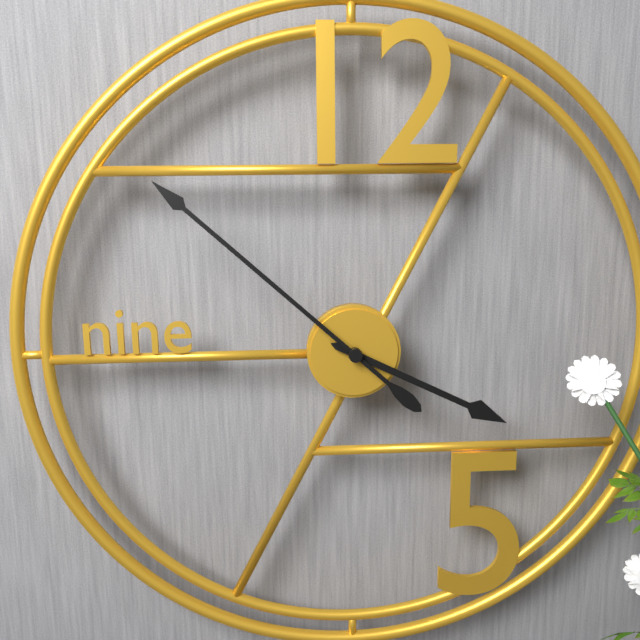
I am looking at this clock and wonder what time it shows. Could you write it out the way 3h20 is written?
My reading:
3h52
